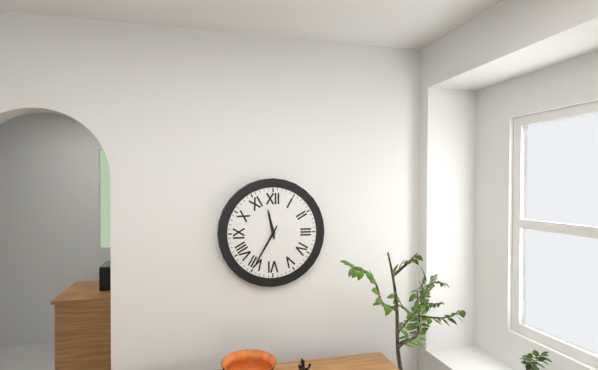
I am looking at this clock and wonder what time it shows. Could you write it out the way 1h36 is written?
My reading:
11h35
